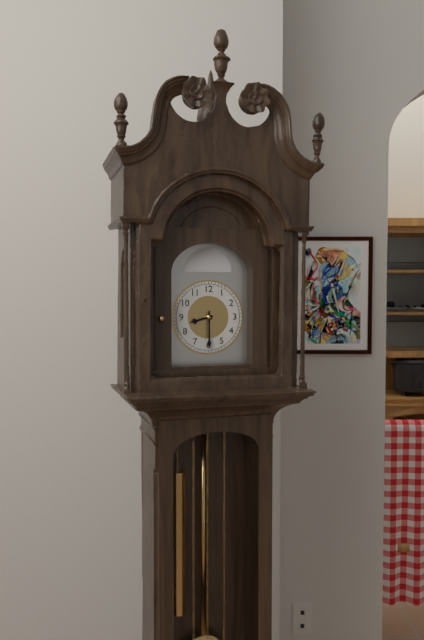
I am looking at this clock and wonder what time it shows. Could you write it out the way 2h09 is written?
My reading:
8h30
